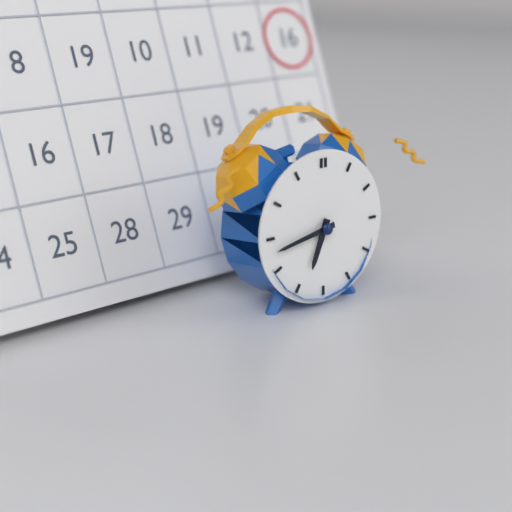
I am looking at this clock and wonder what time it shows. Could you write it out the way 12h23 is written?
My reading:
6h43
